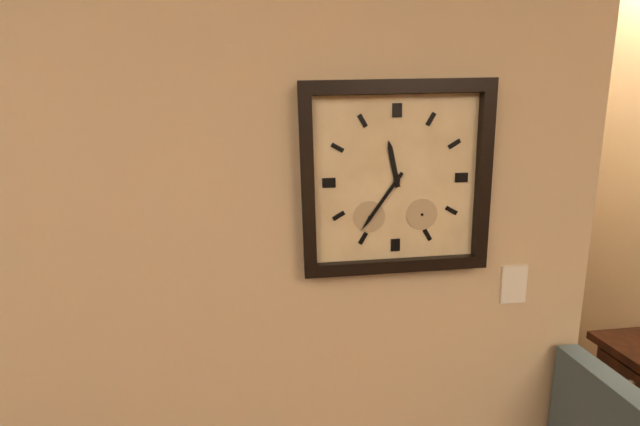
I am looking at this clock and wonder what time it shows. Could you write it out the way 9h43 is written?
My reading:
11h36
